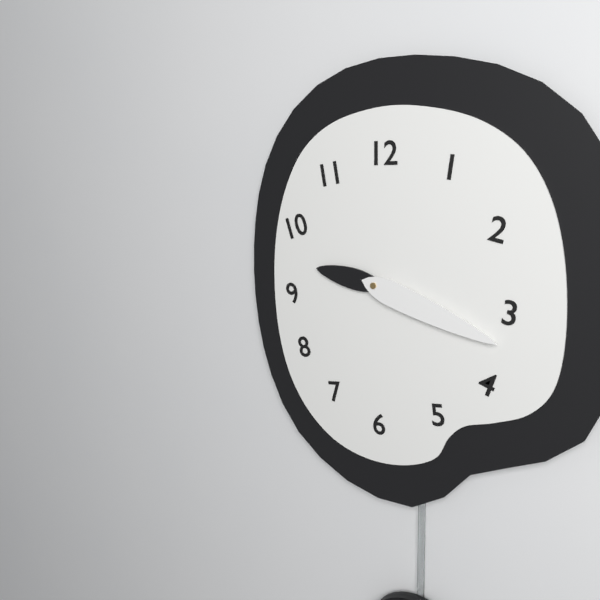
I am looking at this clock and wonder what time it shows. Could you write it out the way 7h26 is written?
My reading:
9h18
